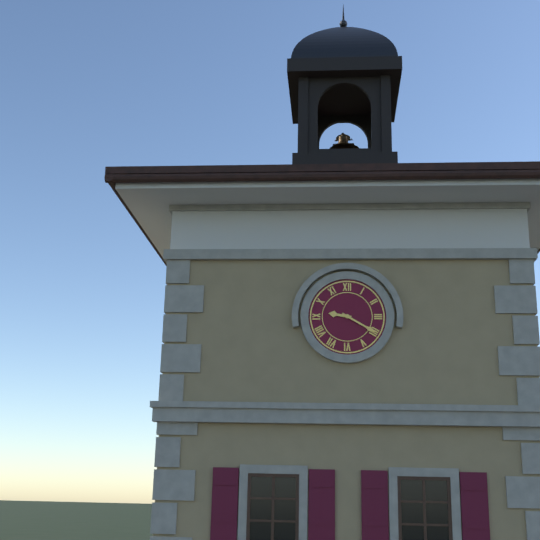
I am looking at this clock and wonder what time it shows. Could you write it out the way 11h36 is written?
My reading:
9h20
